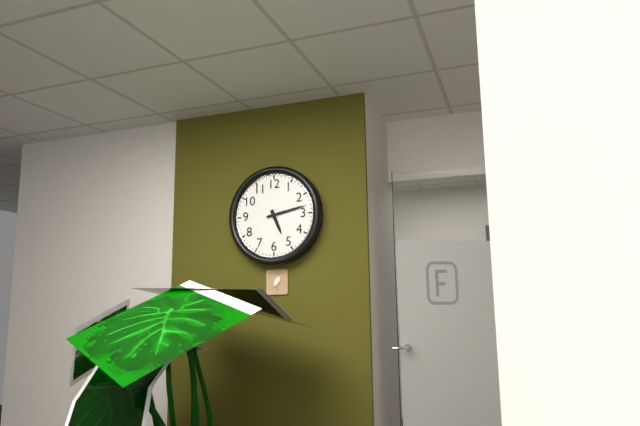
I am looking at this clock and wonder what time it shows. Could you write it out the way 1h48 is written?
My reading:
5h13
